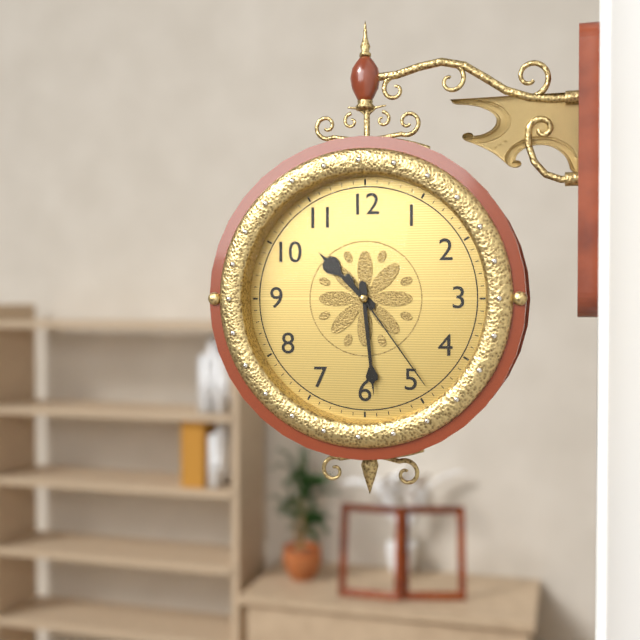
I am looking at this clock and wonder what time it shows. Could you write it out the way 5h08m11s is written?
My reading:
10h29m24s
